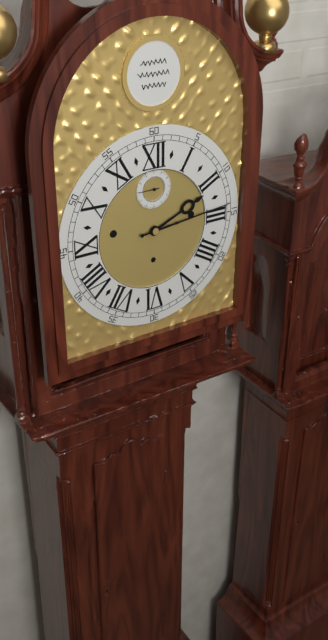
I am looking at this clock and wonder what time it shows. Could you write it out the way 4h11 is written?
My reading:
2h14
